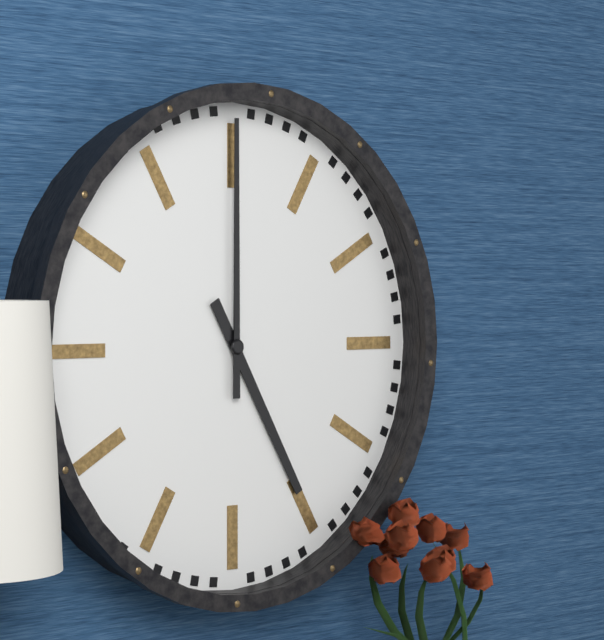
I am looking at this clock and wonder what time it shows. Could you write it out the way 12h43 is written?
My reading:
5h00
